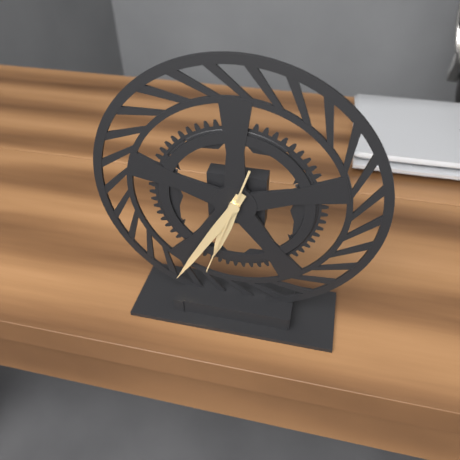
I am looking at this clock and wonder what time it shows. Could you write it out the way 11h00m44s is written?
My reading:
6h35m33s
